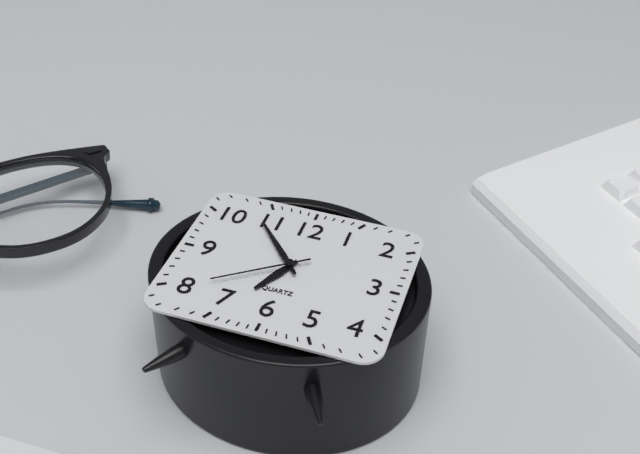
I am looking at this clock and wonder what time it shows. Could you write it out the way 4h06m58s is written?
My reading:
6h53m39s
